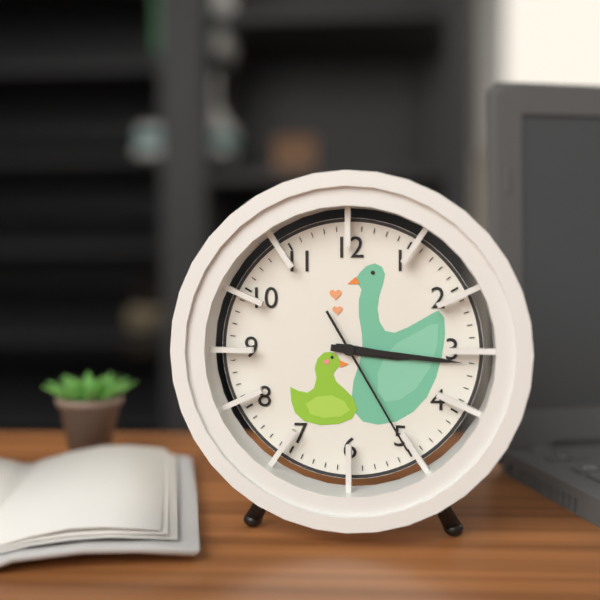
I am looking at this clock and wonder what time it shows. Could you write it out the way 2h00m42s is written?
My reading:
3h16m25s
